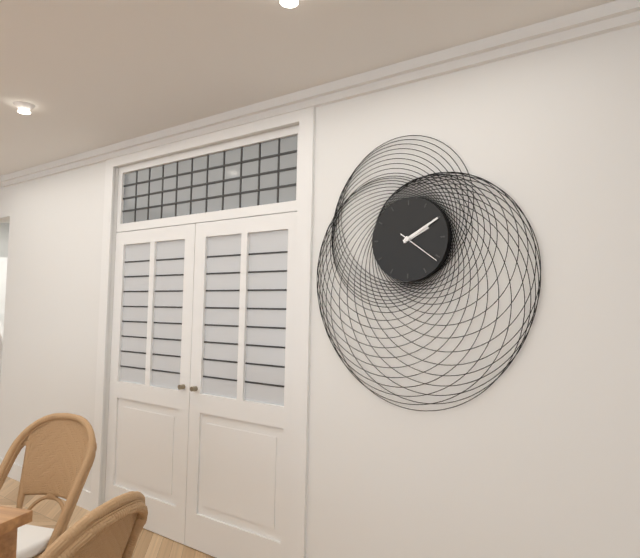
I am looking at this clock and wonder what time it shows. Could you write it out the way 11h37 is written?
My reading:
2h10
